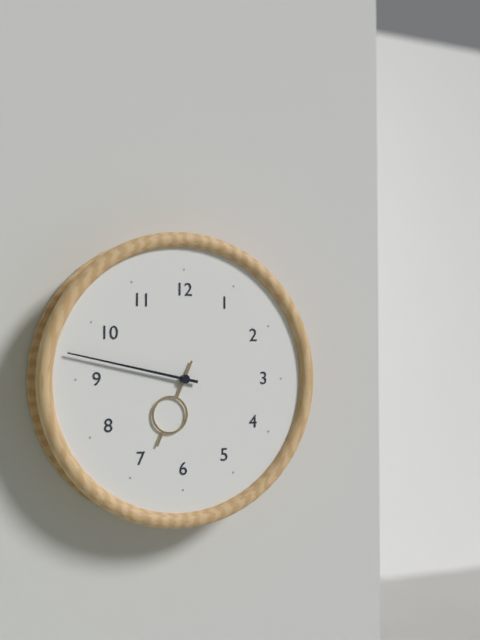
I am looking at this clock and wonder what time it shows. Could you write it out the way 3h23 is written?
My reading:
6h47
